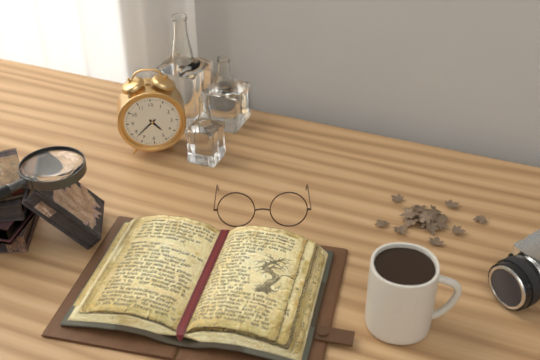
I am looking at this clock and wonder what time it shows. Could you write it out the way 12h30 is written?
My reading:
4h38
